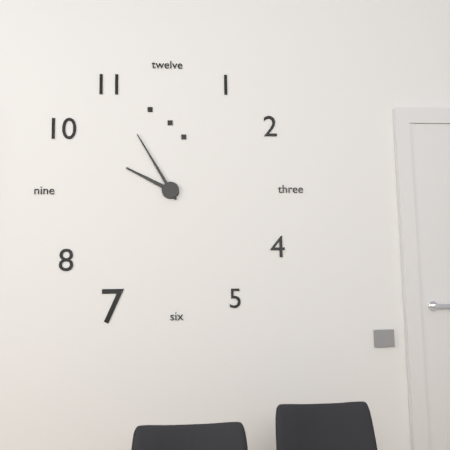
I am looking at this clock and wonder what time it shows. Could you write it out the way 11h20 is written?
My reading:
9h55
